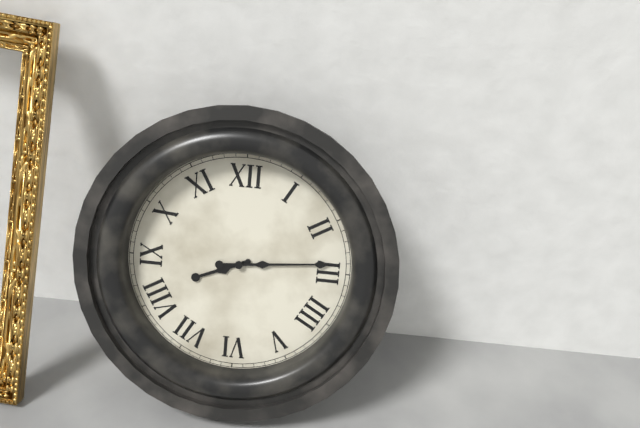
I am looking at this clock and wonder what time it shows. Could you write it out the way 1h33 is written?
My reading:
8h14
